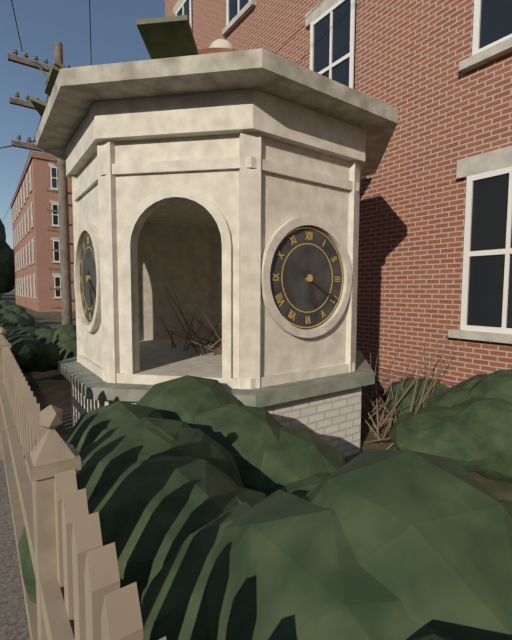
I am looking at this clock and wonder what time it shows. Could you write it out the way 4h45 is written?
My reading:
5h20
